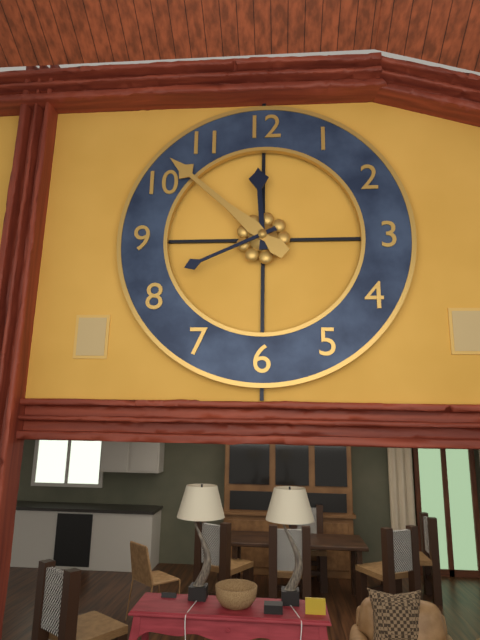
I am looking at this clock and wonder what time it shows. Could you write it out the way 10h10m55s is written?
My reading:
11h52m41s
